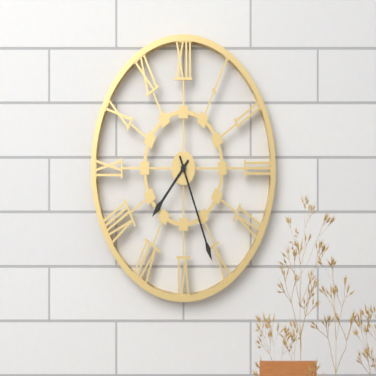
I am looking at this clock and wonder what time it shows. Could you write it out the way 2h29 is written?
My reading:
7h26
